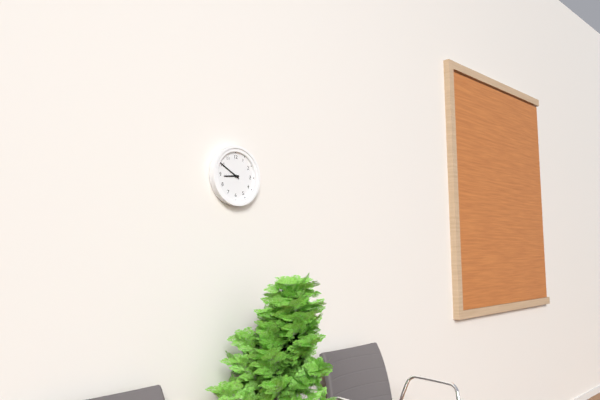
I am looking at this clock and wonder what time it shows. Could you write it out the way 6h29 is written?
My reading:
8h50
